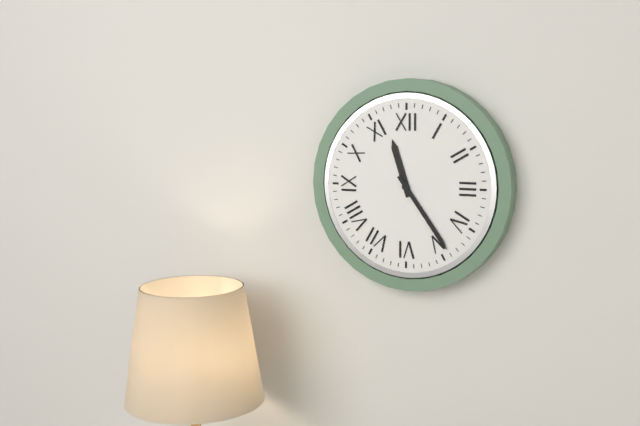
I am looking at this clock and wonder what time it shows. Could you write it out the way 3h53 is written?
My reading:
11h24
